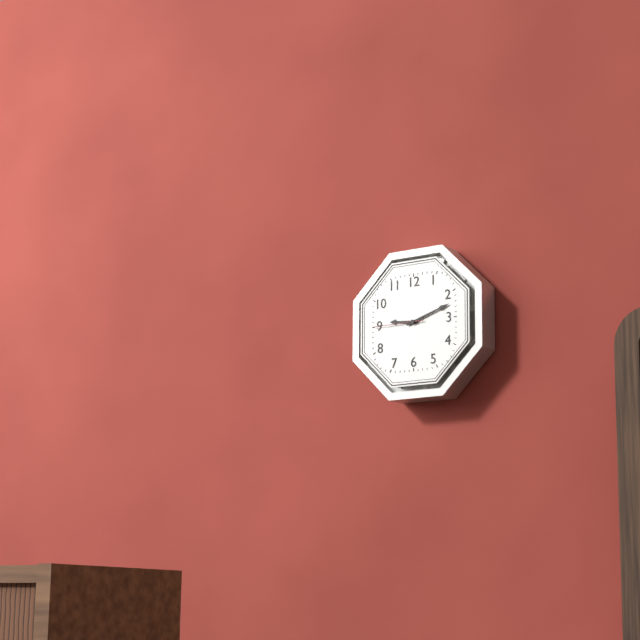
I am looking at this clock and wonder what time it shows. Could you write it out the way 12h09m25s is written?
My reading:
9h12m45s
